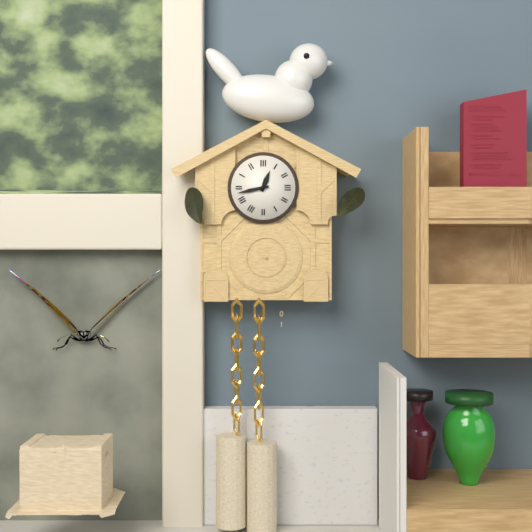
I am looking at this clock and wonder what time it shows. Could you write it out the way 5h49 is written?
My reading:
12h43
